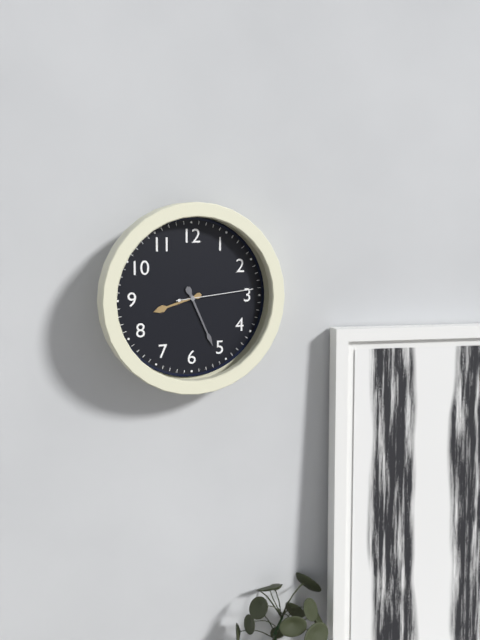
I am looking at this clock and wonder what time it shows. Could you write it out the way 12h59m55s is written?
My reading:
8h26m14s
